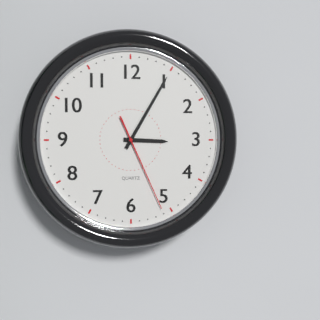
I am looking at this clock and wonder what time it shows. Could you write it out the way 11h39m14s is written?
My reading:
3h05m26s
